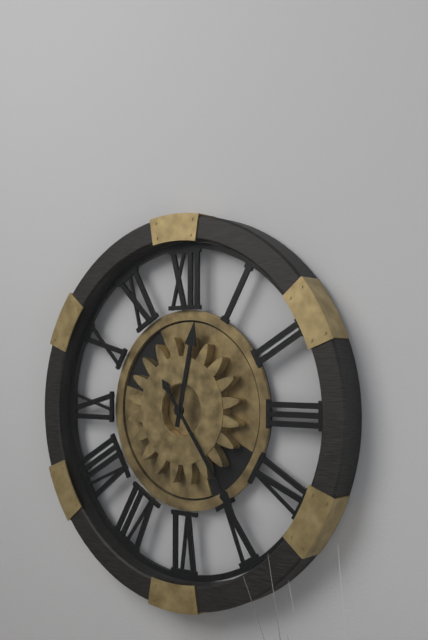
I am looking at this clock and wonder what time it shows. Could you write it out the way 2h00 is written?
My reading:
12h24
